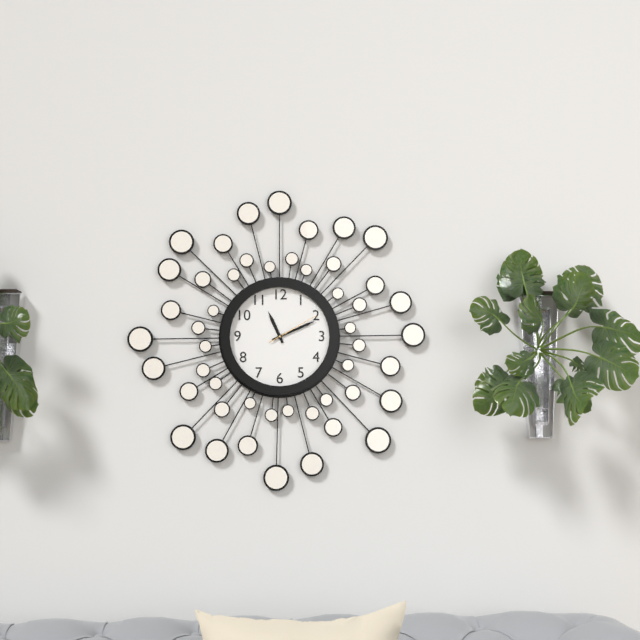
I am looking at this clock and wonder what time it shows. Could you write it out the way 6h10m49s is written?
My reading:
11h11m10s
